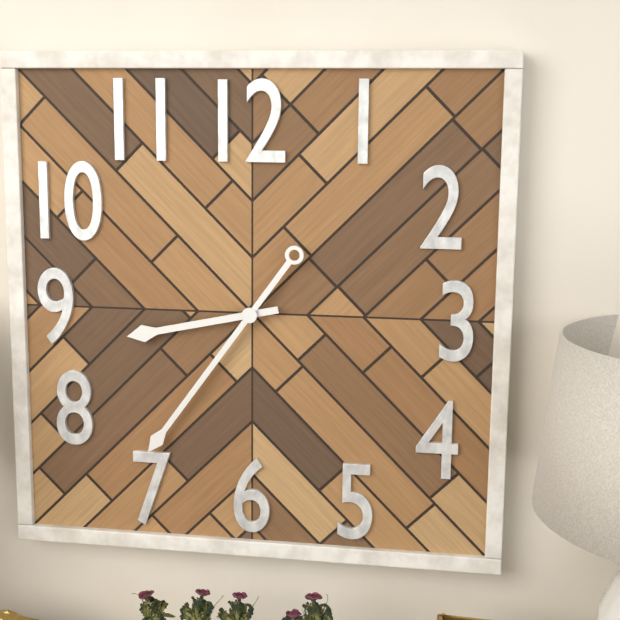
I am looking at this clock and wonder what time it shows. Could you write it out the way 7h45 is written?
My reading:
8h36
